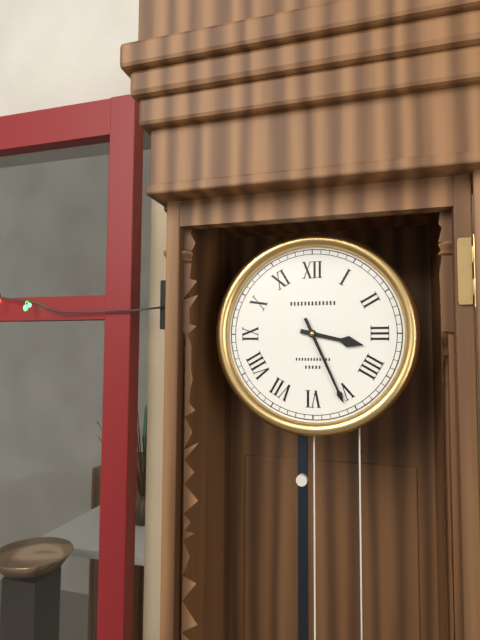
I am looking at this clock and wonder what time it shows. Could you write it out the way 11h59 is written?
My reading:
3h26
